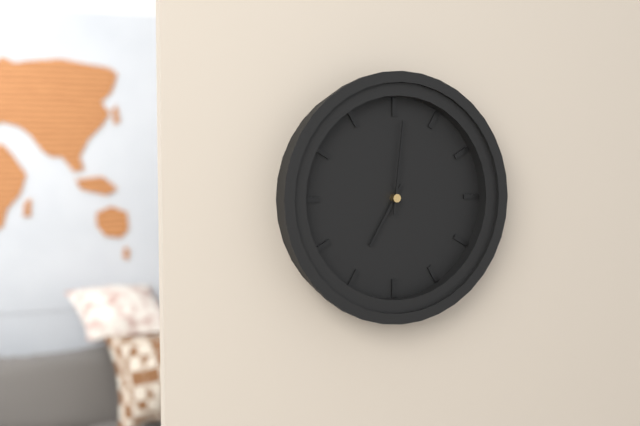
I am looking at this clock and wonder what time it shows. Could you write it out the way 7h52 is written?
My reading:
7h01
